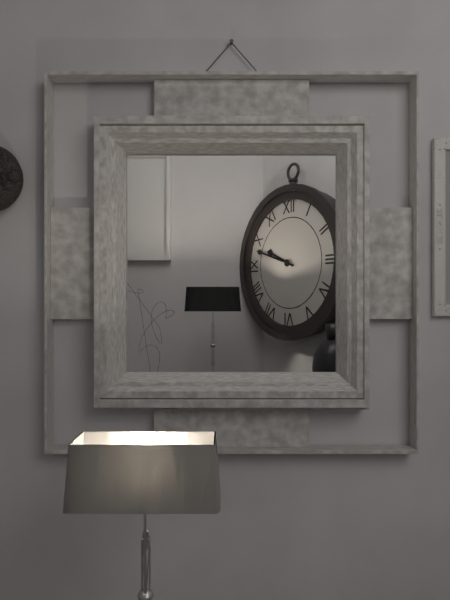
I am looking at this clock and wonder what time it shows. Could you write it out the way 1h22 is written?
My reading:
9h48
